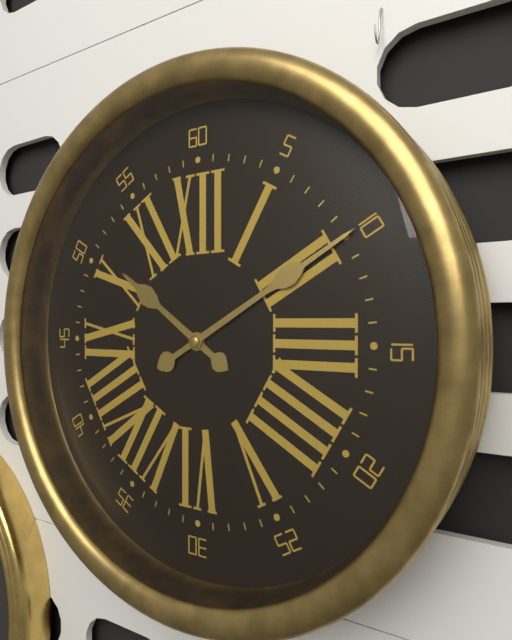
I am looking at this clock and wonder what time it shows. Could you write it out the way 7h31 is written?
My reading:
10h10
